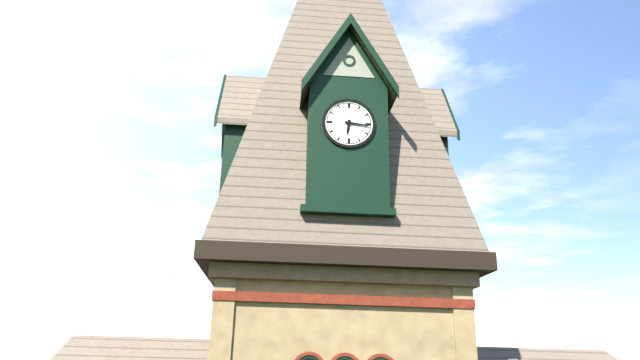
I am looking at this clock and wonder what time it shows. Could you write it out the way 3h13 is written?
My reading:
6h16
